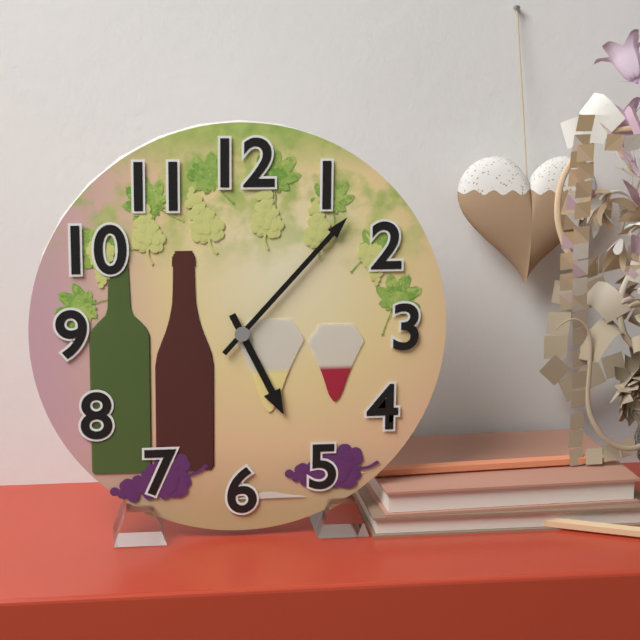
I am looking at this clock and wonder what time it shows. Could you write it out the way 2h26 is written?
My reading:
5h07
